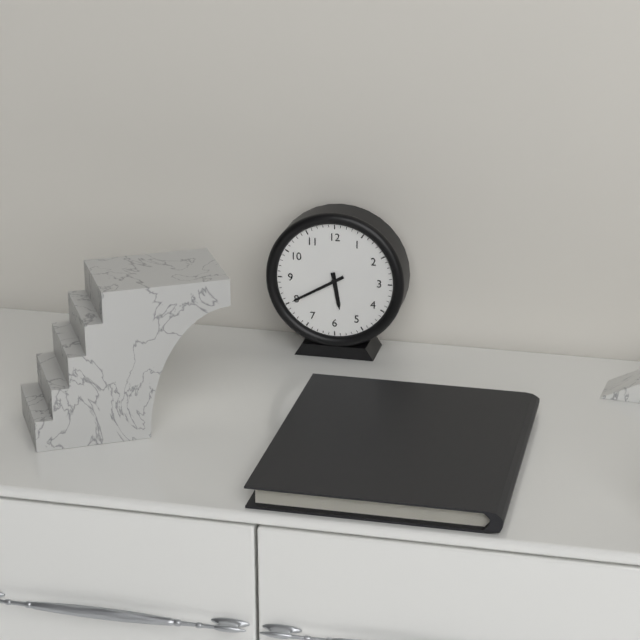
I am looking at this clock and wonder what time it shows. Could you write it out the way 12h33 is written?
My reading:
5h40
